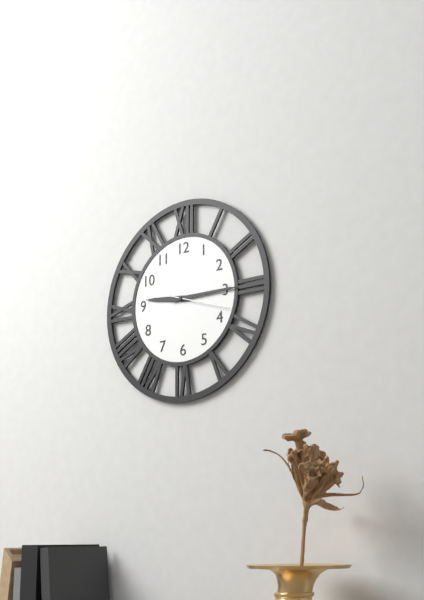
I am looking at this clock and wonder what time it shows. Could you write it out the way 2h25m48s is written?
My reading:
9h15m18s
